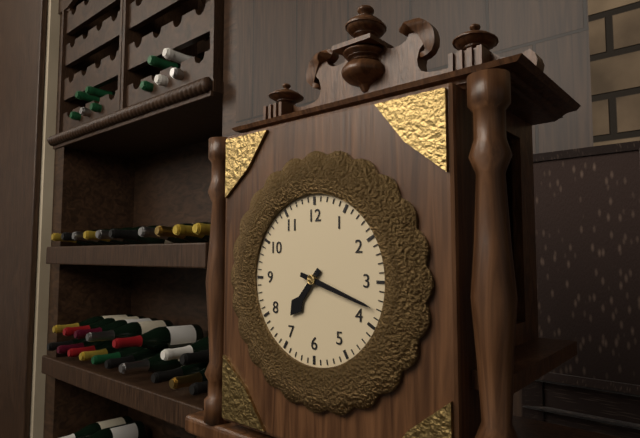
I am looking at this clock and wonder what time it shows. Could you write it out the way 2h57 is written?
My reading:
7h18
